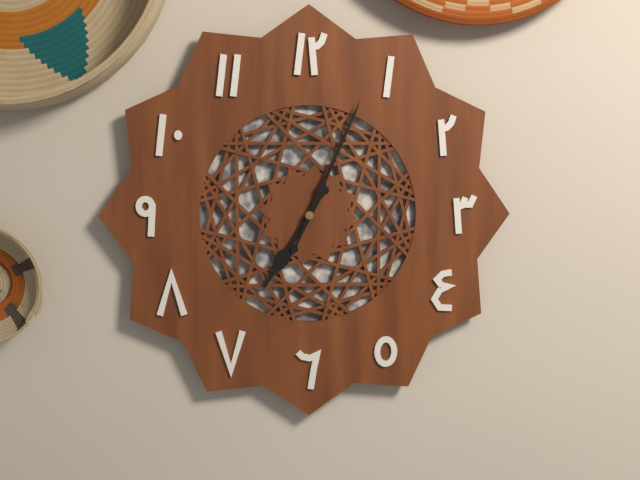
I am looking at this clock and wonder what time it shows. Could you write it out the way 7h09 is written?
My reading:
7h04
